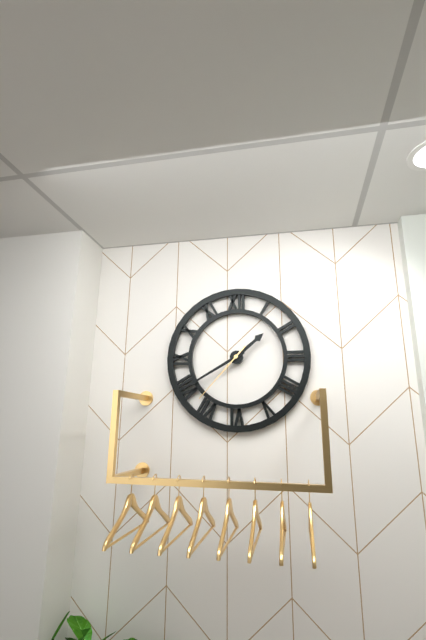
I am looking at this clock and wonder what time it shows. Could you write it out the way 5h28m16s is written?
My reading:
1h40m37s
